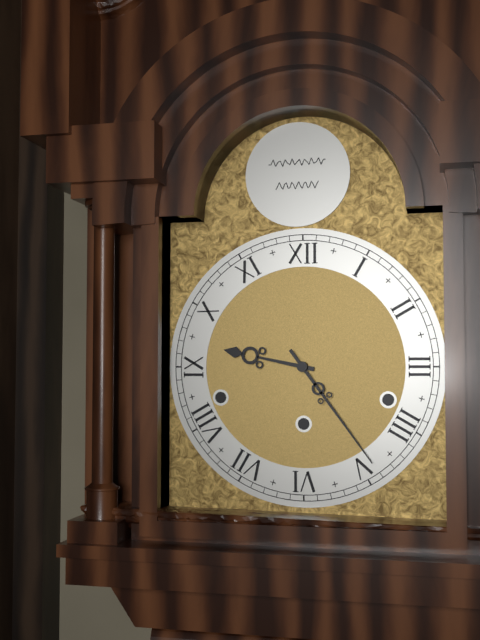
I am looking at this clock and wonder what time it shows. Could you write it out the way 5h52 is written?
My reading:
9h24
